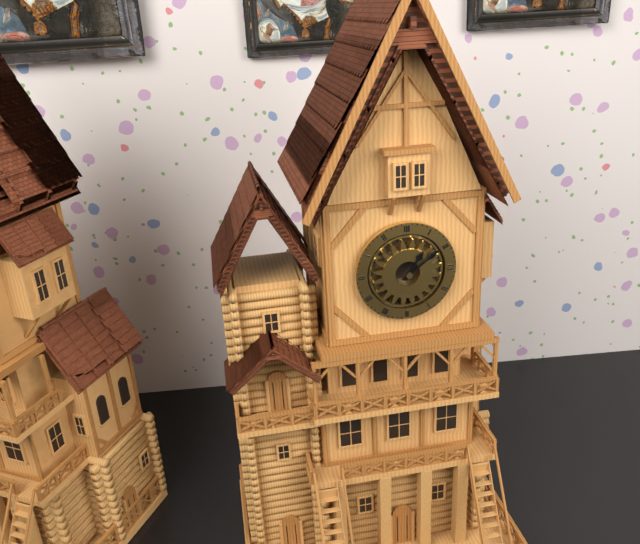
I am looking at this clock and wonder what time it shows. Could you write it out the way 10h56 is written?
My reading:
1h09
